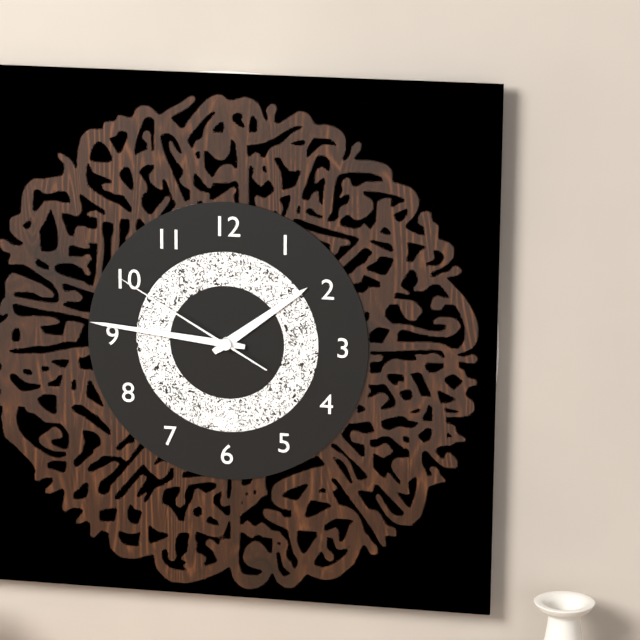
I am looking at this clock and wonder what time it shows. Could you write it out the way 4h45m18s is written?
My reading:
1h46m50s
